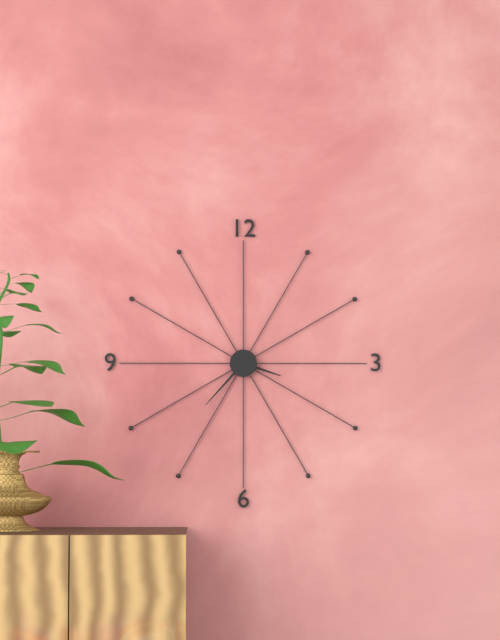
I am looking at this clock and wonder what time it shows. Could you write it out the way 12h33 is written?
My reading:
3h37
